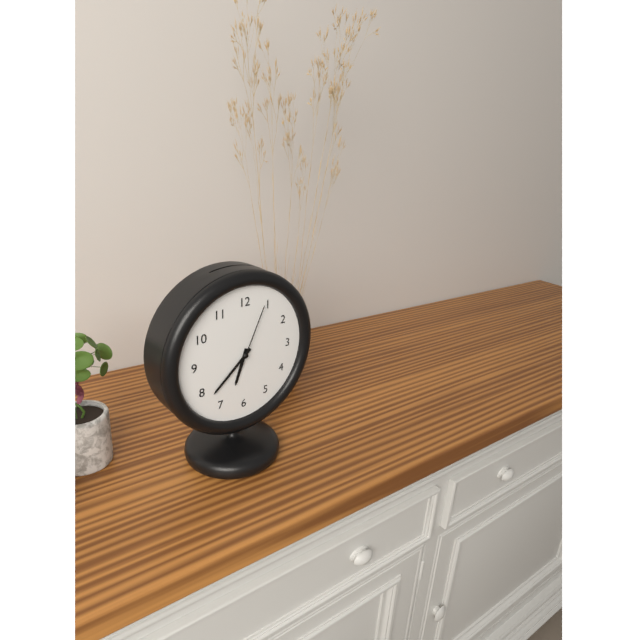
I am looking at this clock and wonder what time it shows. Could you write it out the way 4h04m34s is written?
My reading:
6h38m04s
